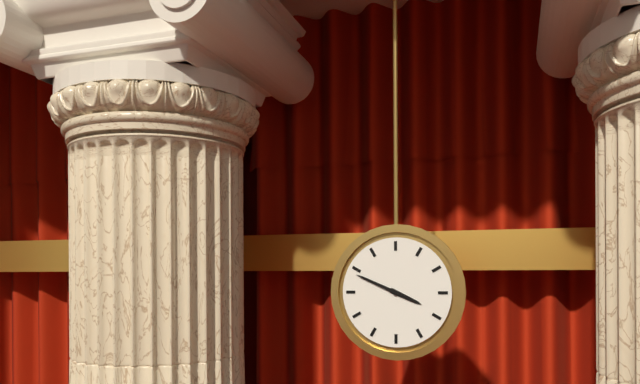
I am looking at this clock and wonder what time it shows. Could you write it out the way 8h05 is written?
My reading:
3h49
